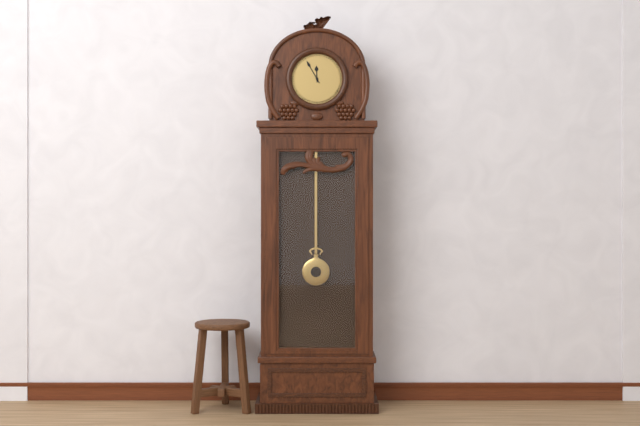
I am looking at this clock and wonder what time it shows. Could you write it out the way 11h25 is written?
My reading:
11h55
